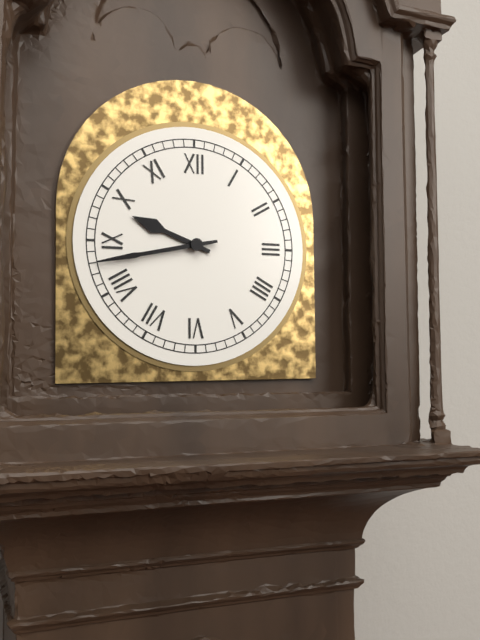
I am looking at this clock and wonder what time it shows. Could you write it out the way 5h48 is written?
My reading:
9h43
